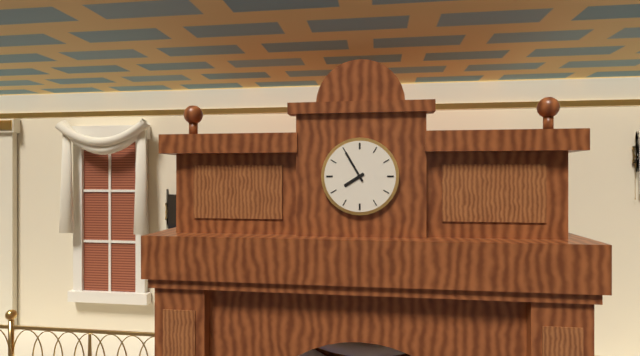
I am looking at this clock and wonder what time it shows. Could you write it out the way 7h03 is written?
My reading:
7h55
